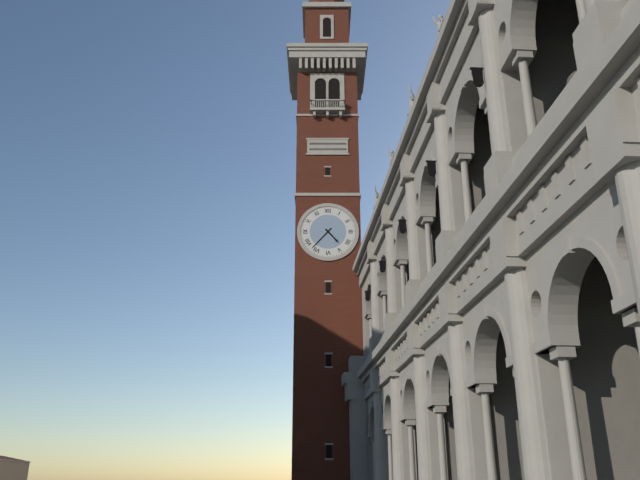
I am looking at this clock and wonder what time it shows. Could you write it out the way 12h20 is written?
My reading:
4h37
